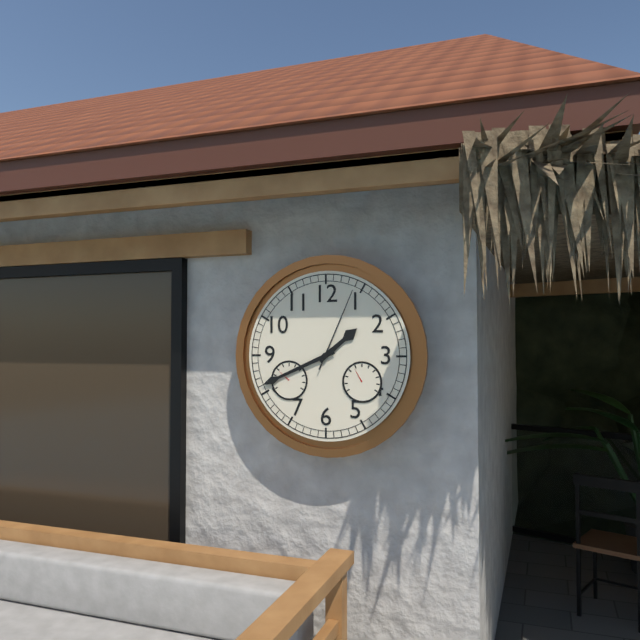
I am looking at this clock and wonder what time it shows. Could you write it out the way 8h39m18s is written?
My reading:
1h41m04s
